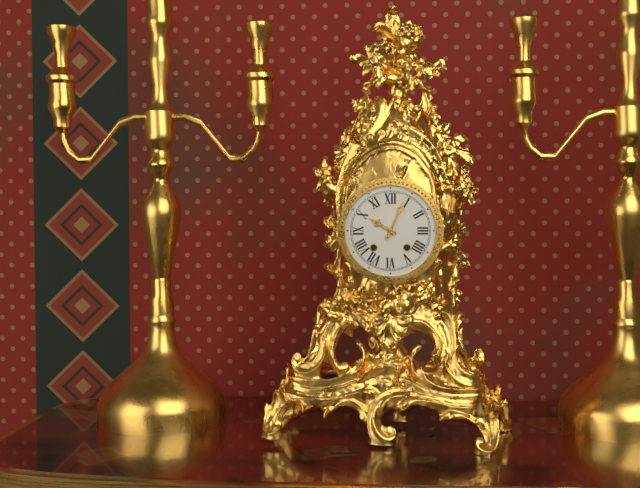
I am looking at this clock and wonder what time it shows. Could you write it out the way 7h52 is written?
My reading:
10h04
